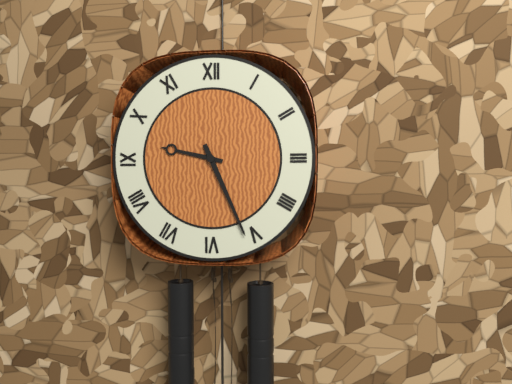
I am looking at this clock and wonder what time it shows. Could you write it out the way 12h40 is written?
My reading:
9h26
